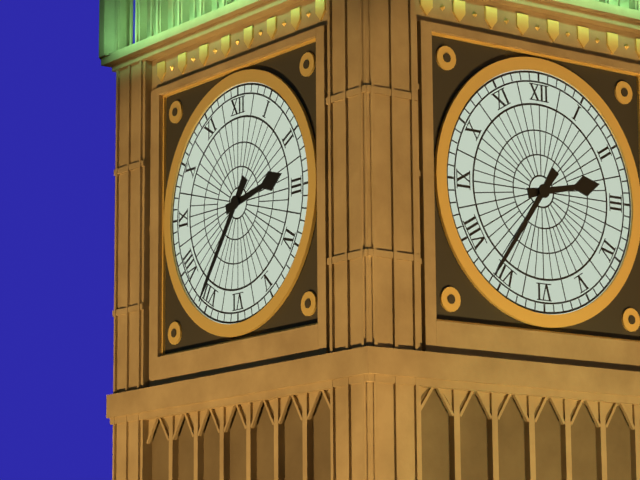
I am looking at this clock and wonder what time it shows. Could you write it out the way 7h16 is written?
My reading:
2h36
